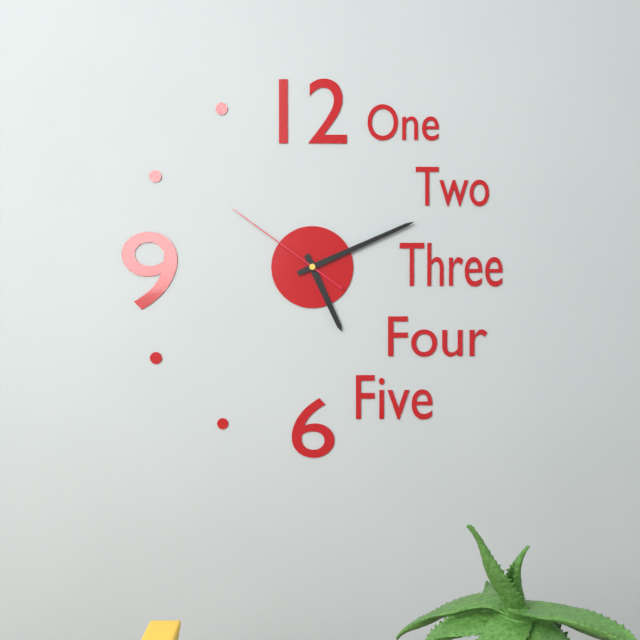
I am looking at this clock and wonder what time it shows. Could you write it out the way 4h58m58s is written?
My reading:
5h11m51s
